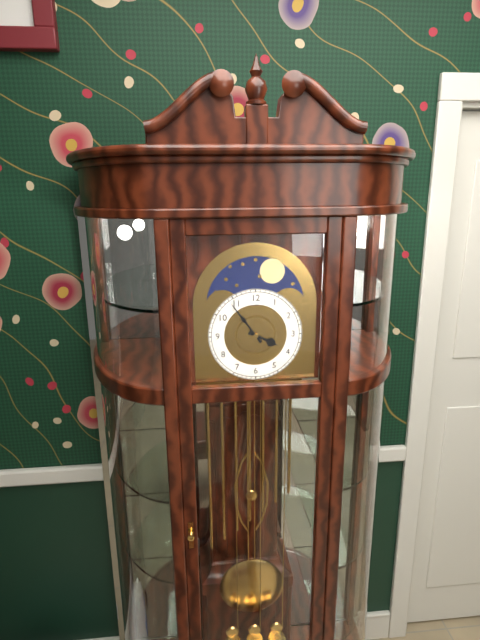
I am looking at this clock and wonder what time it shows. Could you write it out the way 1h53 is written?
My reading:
3h54
